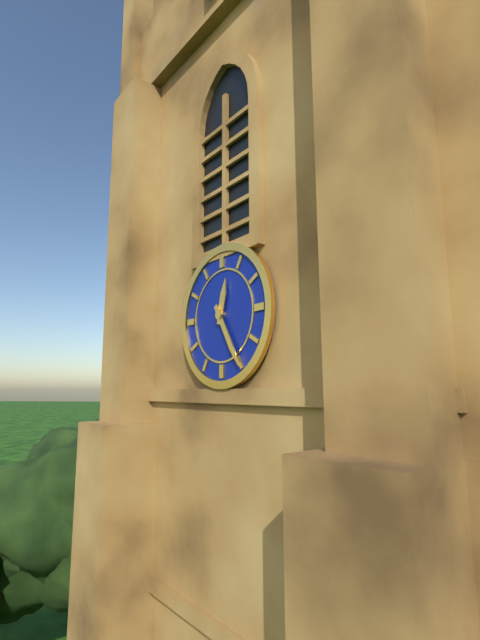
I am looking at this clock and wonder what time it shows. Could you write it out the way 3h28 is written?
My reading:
12h25
